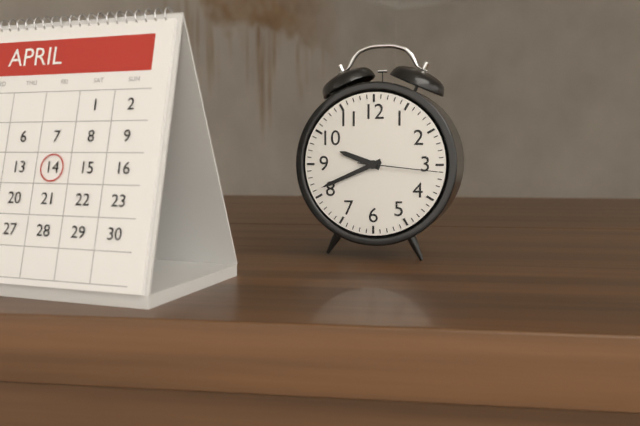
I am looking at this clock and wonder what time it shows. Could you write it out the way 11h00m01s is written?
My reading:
9h41m16s
